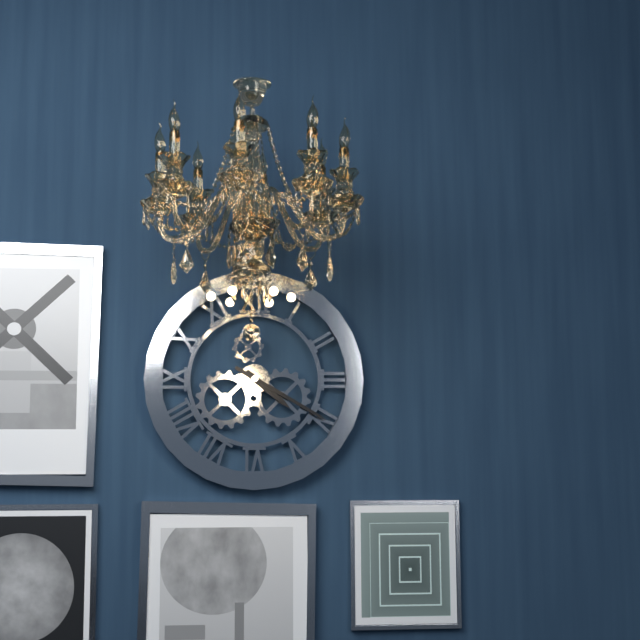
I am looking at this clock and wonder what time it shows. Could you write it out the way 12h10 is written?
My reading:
4h20
